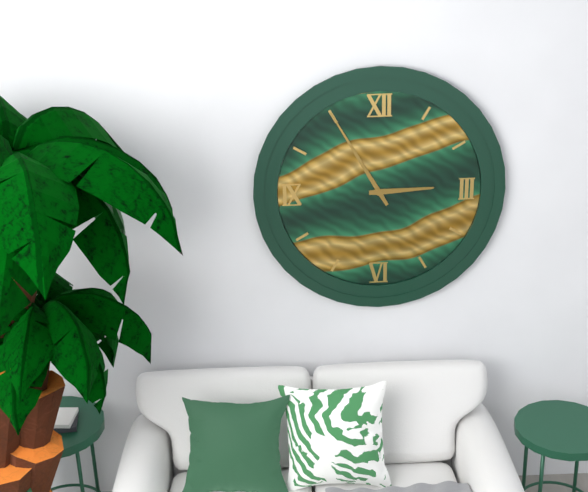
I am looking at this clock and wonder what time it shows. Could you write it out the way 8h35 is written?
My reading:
2h55
